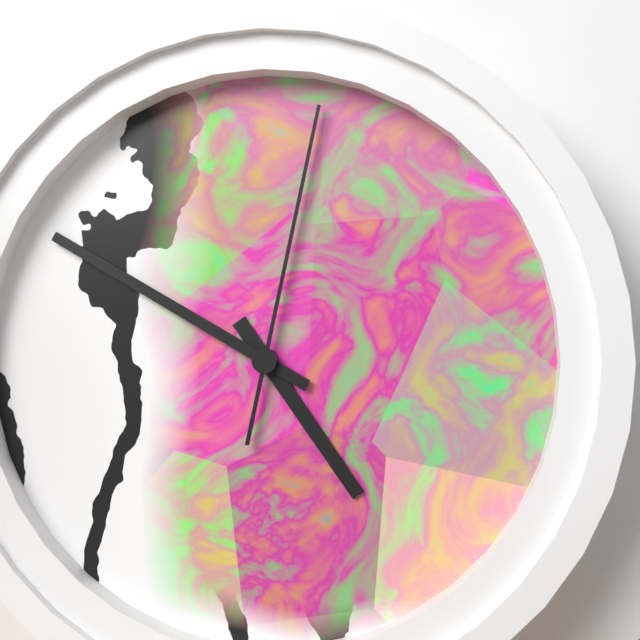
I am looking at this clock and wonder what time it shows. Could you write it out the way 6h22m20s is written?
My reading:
4h50m02s
